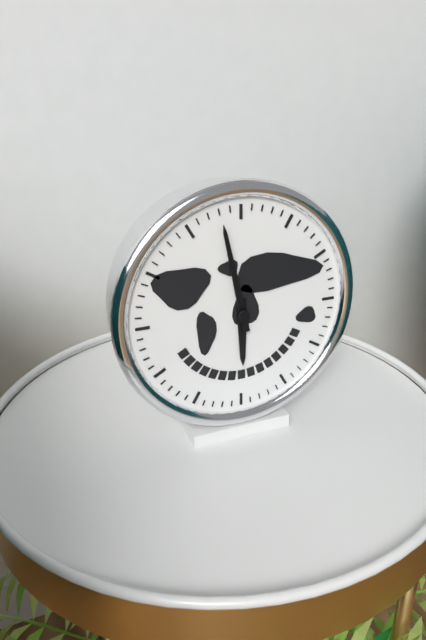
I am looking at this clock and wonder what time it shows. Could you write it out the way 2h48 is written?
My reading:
5h58
